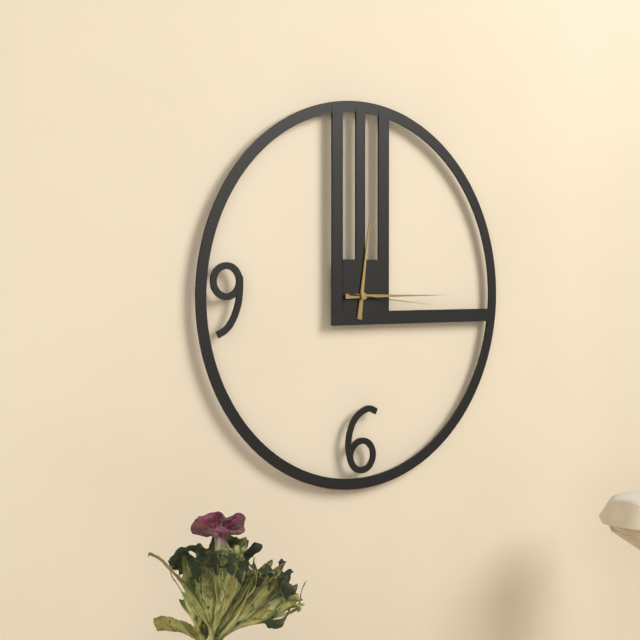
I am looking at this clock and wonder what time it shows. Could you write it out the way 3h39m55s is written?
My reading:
12h15m16s
